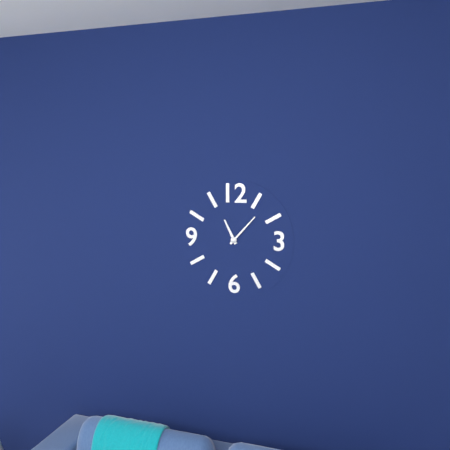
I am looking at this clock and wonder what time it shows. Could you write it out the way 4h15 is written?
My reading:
11h07
